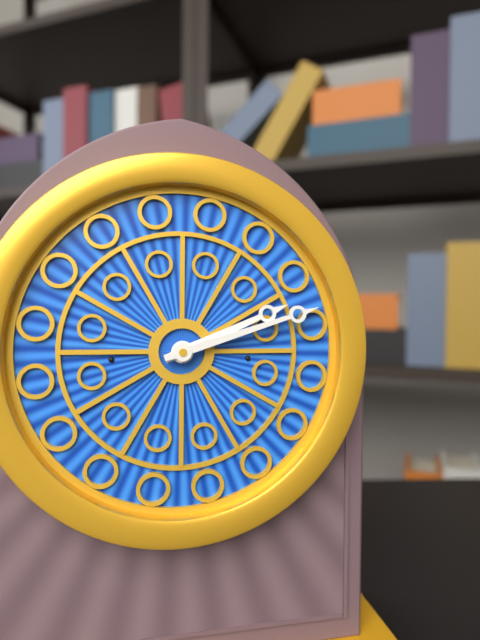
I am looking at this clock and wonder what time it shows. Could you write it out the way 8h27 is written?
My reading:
2h12
